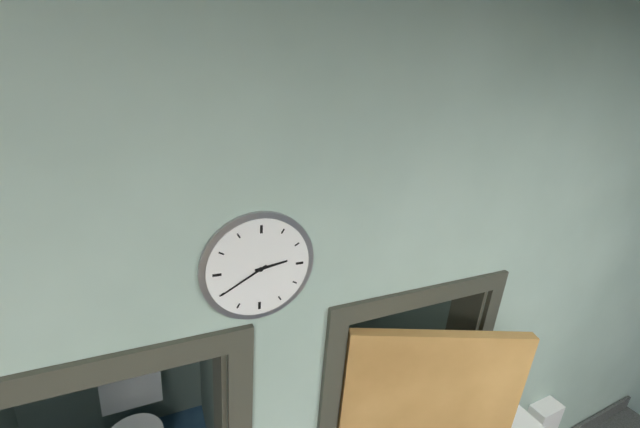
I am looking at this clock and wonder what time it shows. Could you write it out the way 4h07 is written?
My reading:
2h40
